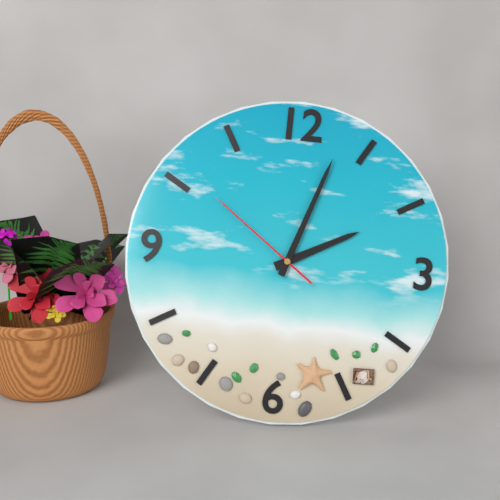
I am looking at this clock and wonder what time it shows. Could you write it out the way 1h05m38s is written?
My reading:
2h03m51s
